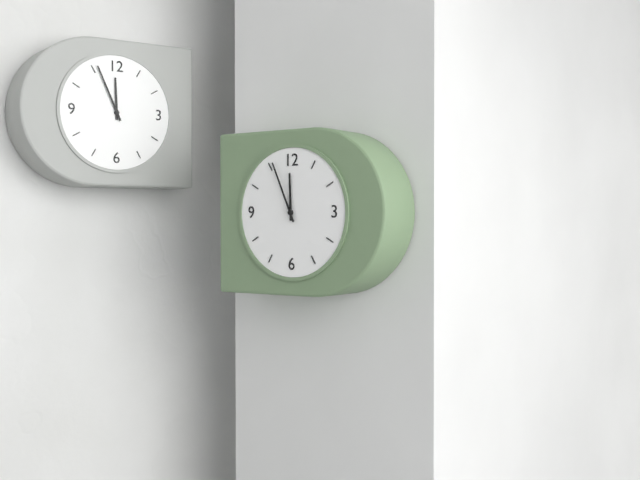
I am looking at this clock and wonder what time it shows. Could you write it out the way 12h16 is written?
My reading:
11h56
